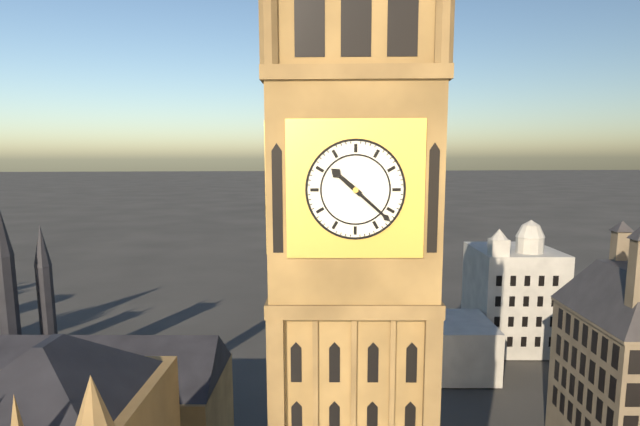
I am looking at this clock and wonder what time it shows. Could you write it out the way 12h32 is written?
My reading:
10h22
